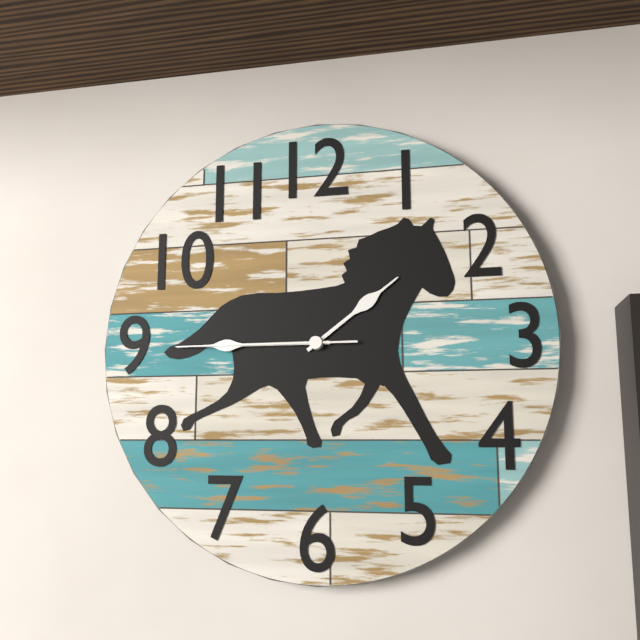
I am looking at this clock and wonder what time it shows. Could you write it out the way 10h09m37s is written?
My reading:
1h45m45s
